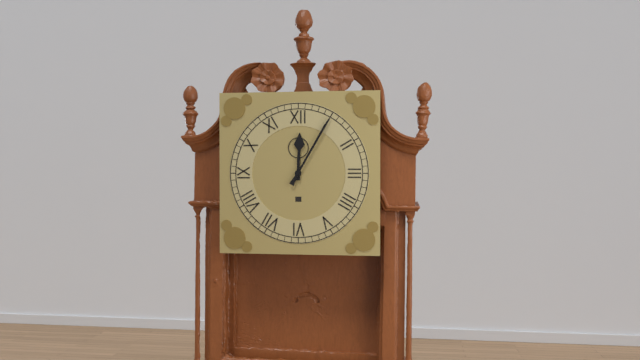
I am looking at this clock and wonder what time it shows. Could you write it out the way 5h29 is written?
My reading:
12h05
